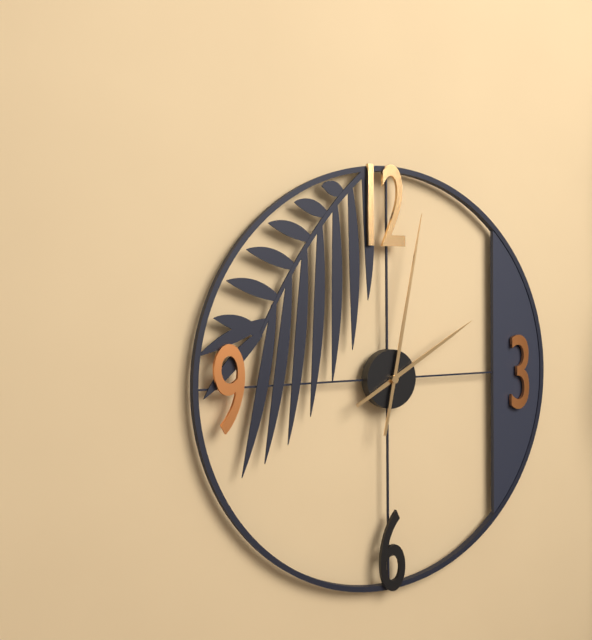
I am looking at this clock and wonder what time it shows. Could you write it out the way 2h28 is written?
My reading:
2h02
